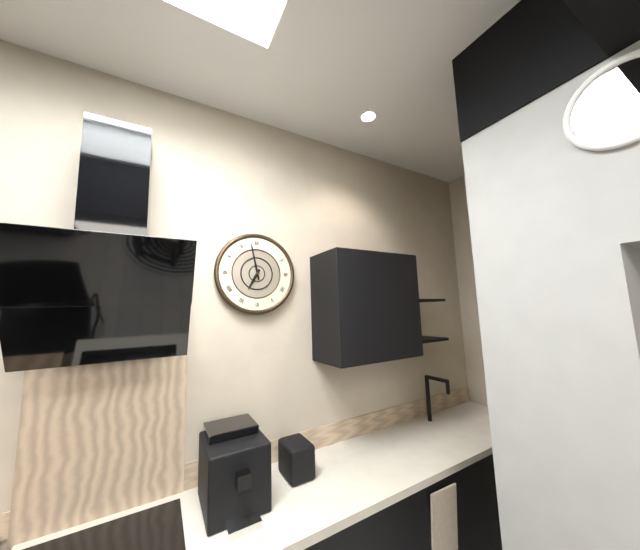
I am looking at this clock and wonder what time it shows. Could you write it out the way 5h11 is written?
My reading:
6h58
